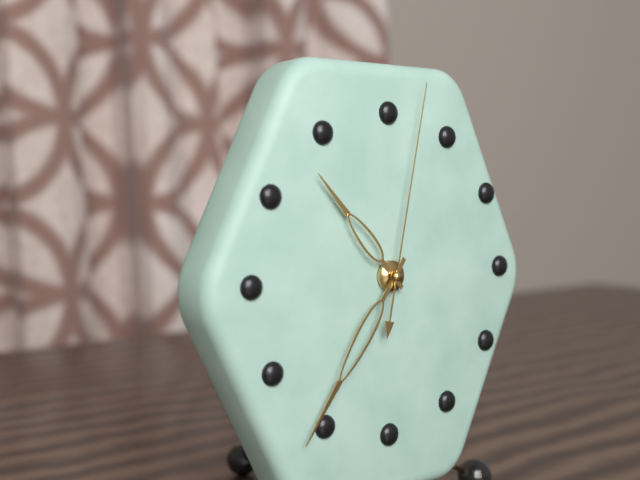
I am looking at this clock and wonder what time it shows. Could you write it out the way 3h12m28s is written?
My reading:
10h36m02s
